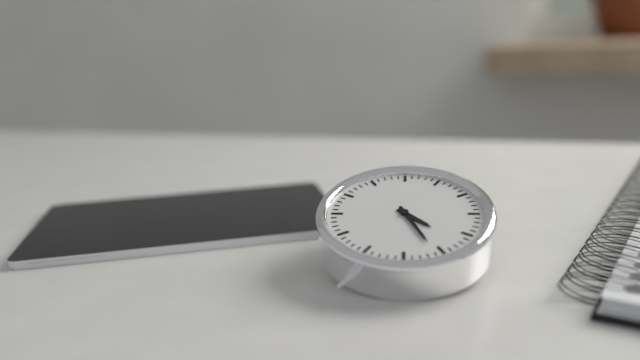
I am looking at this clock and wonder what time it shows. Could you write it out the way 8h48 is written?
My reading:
4h26
